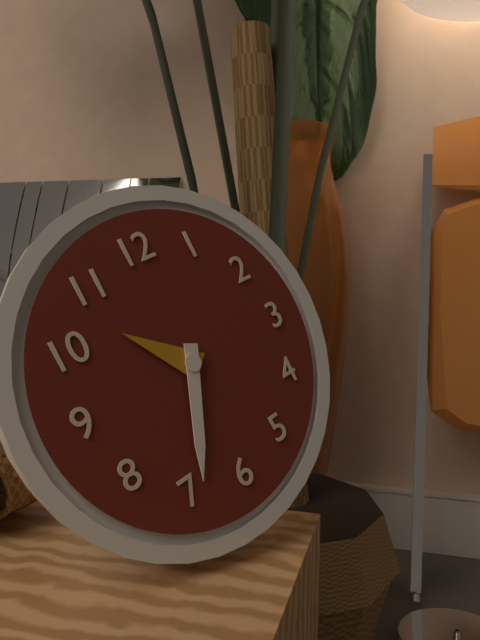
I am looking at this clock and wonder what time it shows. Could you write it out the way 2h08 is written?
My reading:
10h34
